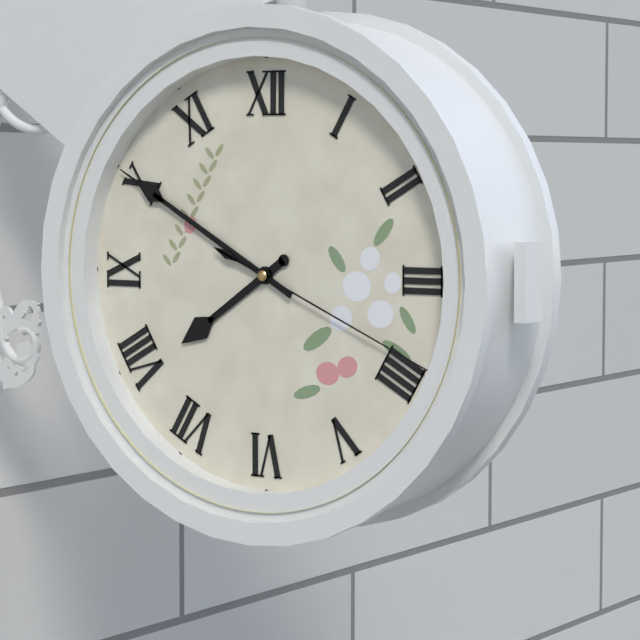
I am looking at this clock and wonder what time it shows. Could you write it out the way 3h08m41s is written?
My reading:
7h50m19s
